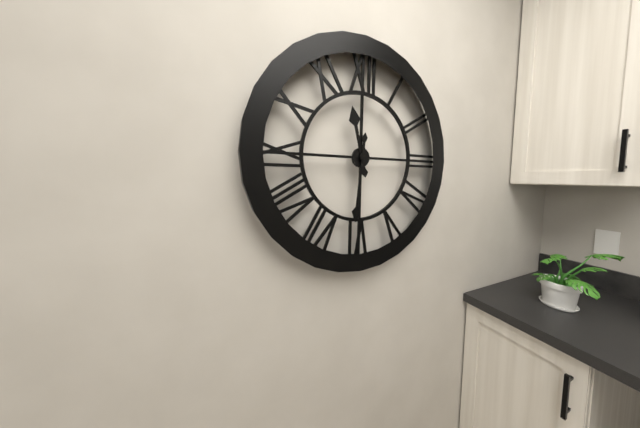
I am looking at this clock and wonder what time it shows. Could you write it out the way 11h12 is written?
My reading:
11h31
